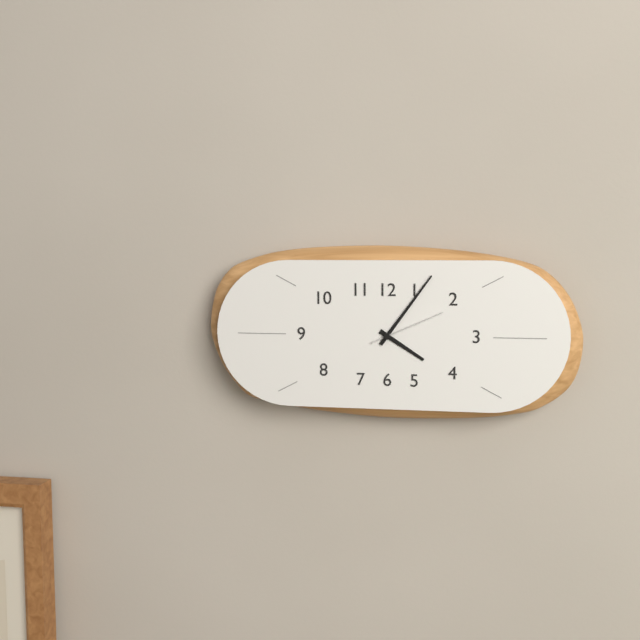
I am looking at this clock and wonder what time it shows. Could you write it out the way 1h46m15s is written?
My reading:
4h06m11s
